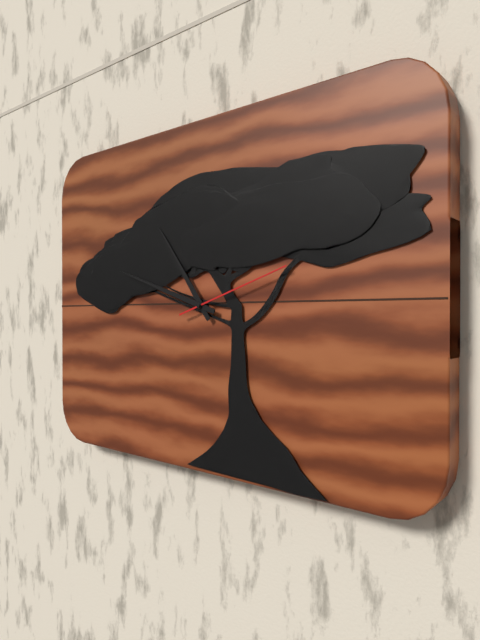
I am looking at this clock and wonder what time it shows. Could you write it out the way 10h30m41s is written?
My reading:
10h48m12s
